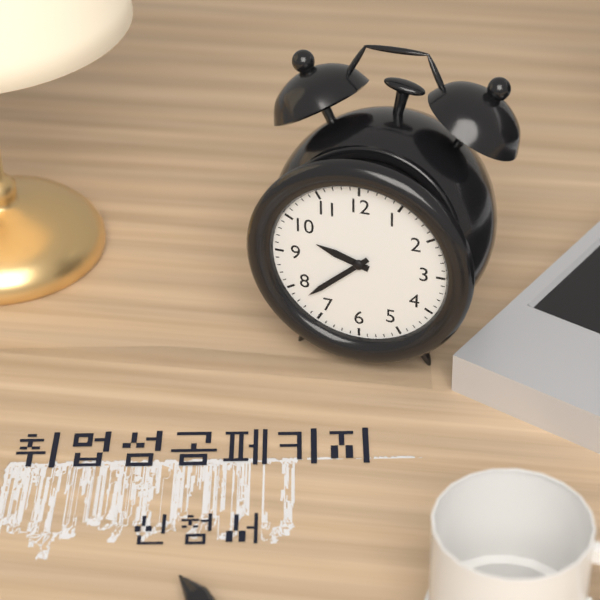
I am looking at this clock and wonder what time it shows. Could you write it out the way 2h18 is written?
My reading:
9h38
